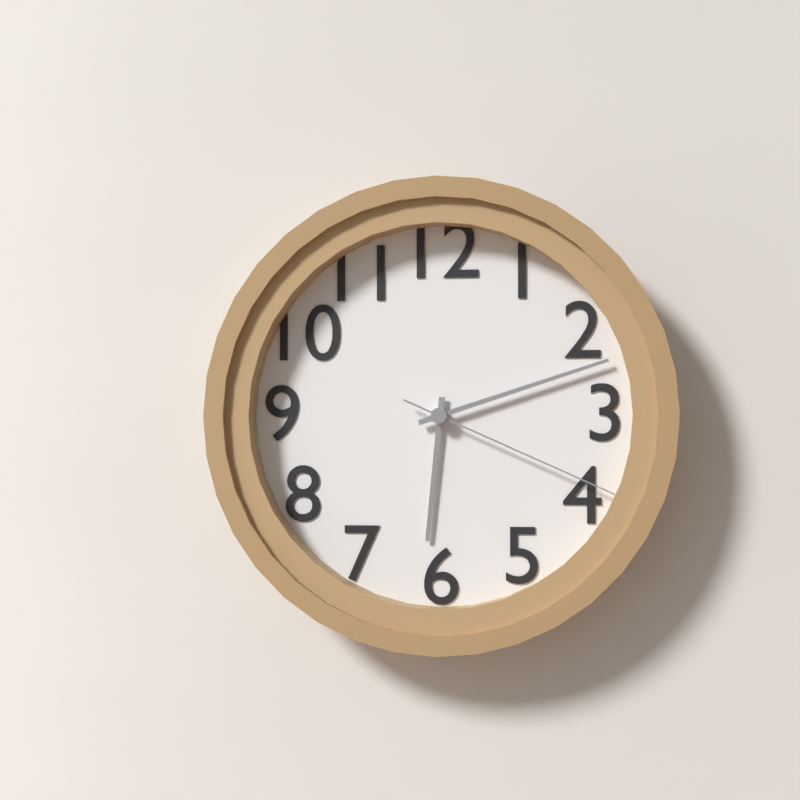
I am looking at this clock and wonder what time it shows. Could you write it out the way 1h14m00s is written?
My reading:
6h12m19s
